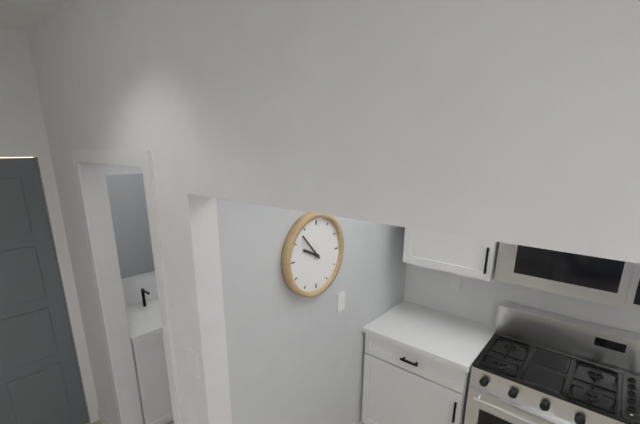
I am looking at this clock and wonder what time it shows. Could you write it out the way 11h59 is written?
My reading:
9h53
